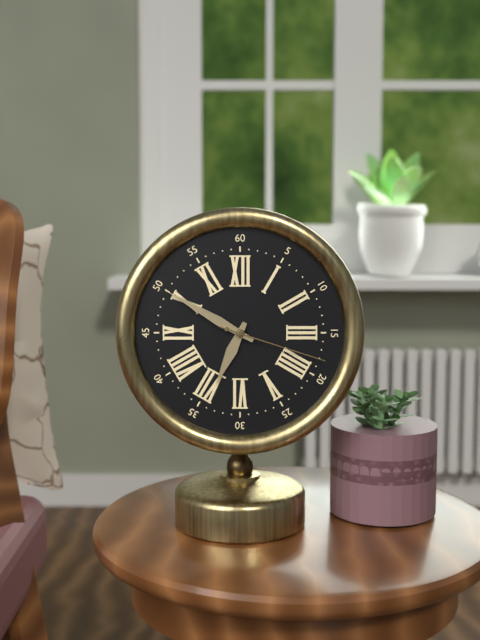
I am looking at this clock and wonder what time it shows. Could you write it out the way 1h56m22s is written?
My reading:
6h50m18s
